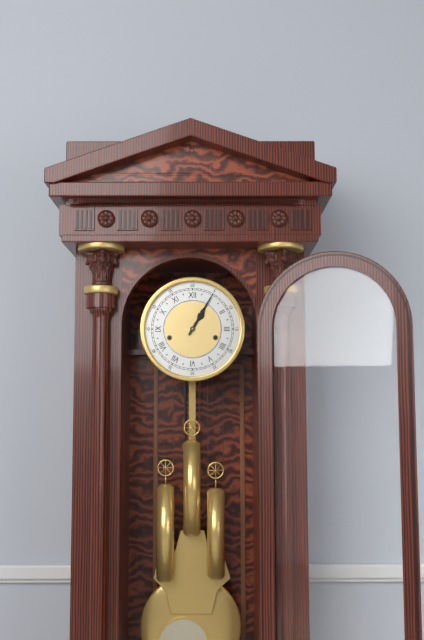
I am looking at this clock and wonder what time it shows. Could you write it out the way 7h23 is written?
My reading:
1h05
